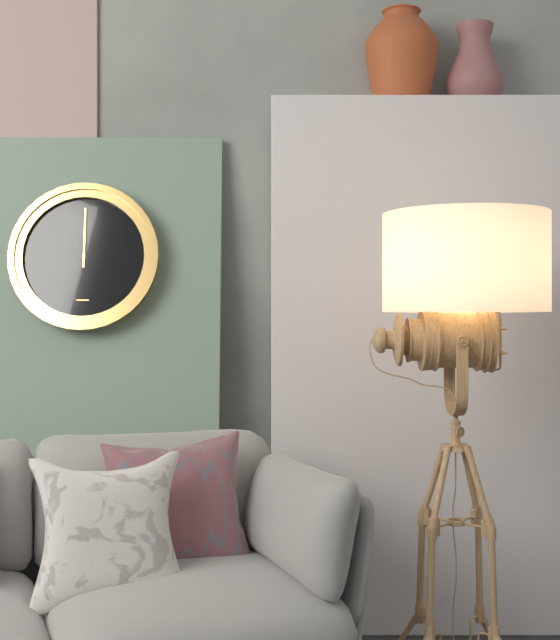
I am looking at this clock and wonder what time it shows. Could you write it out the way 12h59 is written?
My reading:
12h00
